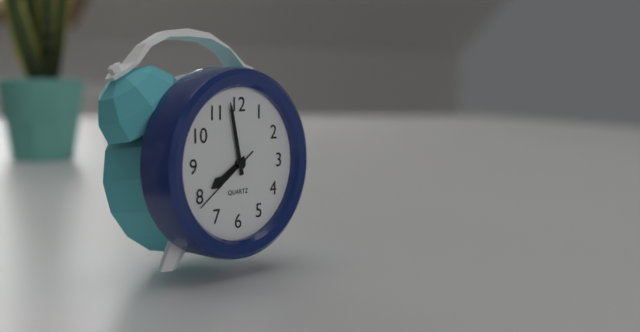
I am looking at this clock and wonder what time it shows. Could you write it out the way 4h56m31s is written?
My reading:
7h58m39s
